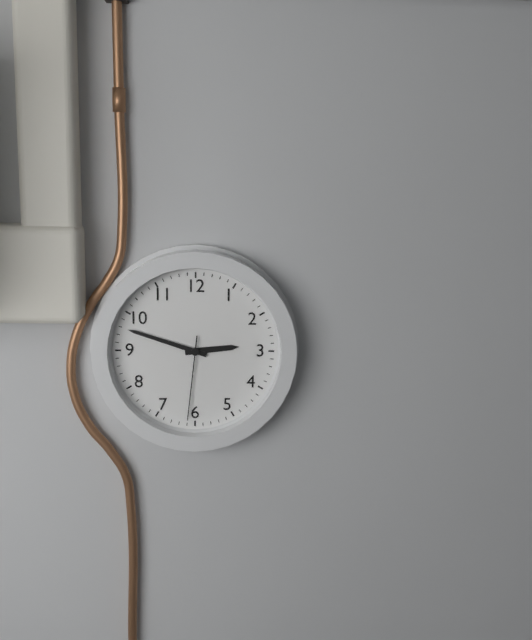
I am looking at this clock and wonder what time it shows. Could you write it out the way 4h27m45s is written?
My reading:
2h48m31s
